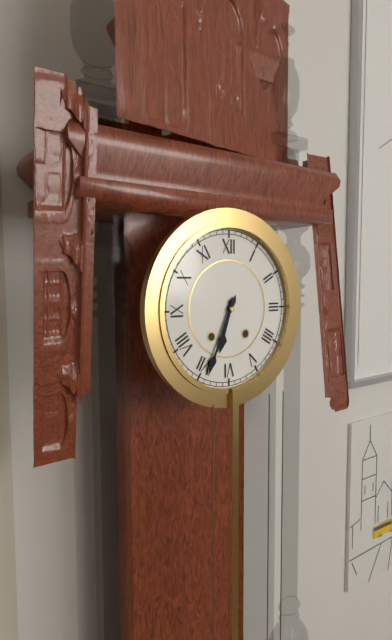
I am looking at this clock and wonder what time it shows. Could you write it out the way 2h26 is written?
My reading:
6h34
